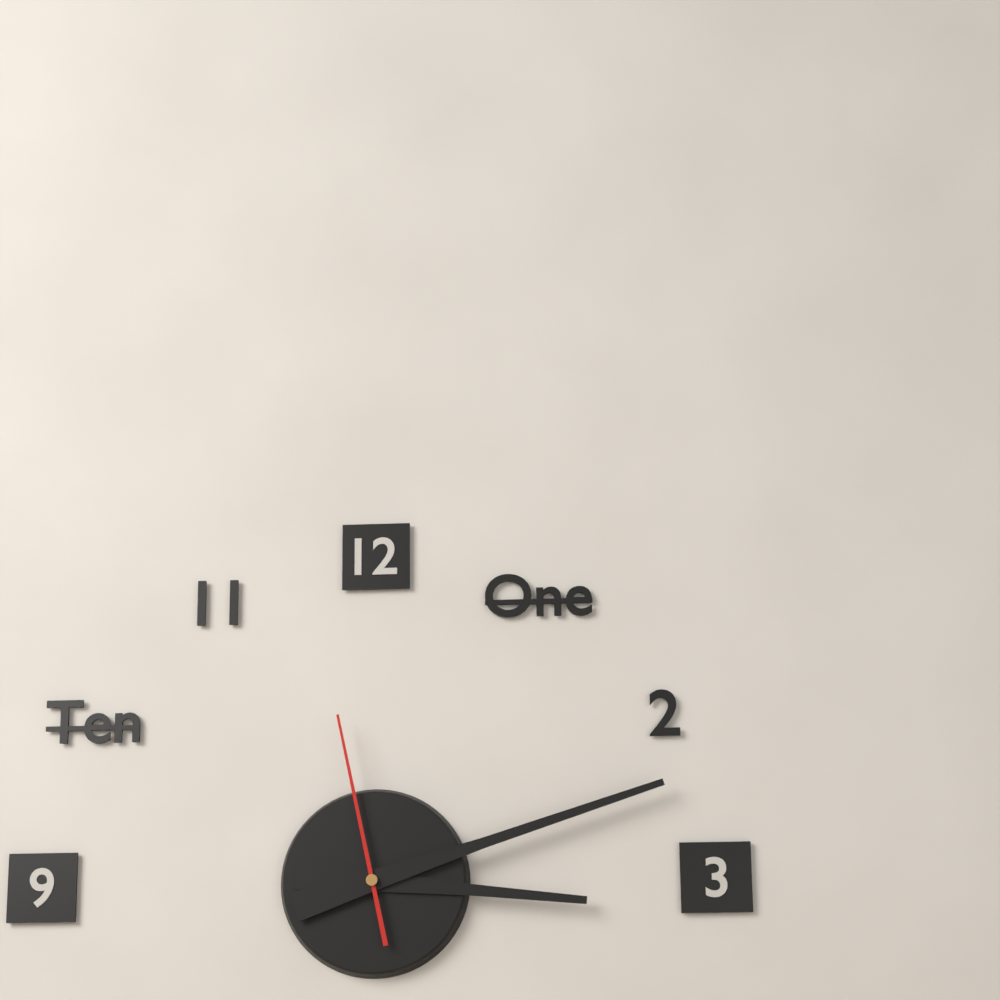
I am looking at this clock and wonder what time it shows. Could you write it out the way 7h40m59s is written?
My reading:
3h12m58s
